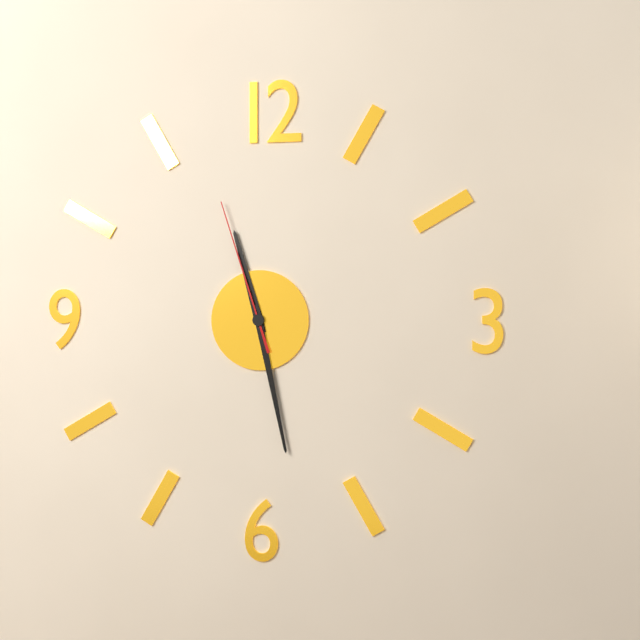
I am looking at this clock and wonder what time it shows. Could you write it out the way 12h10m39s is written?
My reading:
11h28m57s
